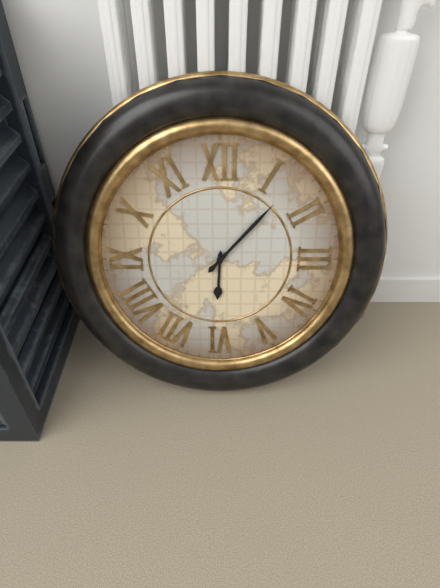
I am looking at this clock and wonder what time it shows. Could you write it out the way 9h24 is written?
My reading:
6h07
